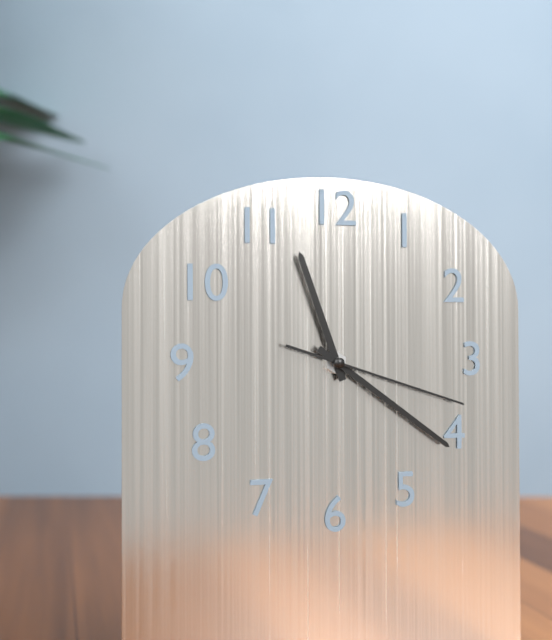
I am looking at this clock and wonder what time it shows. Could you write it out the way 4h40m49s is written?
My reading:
11h21m18s
